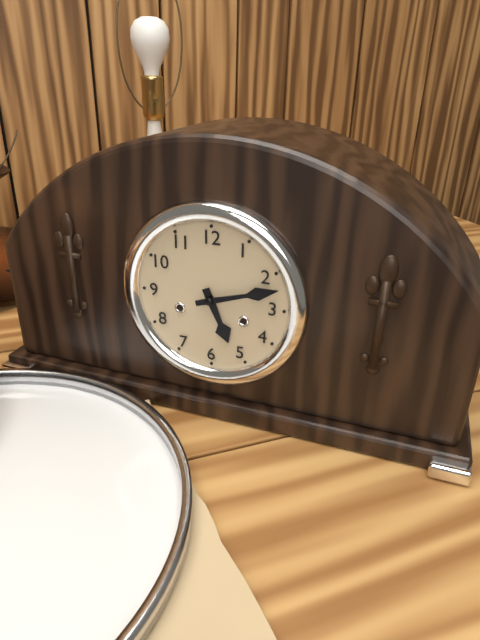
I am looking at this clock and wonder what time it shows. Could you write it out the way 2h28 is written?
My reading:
5h12
